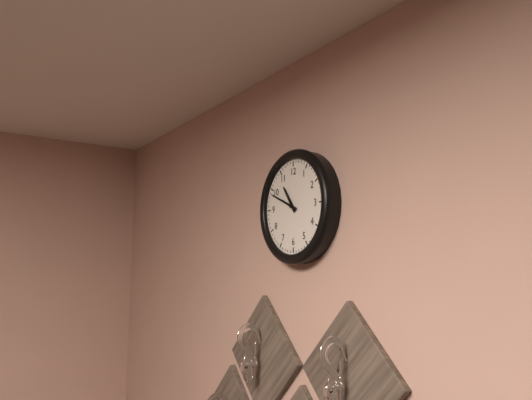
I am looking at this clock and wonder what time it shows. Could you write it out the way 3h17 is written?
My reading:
10h49
